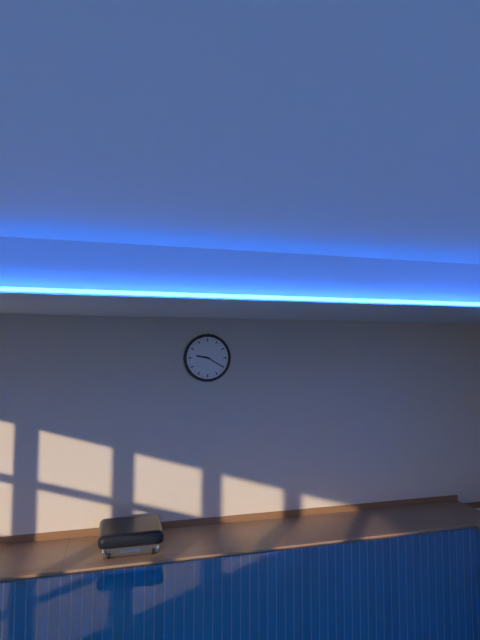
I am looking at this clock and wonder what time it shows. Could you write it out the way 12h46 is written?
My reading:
9h20
